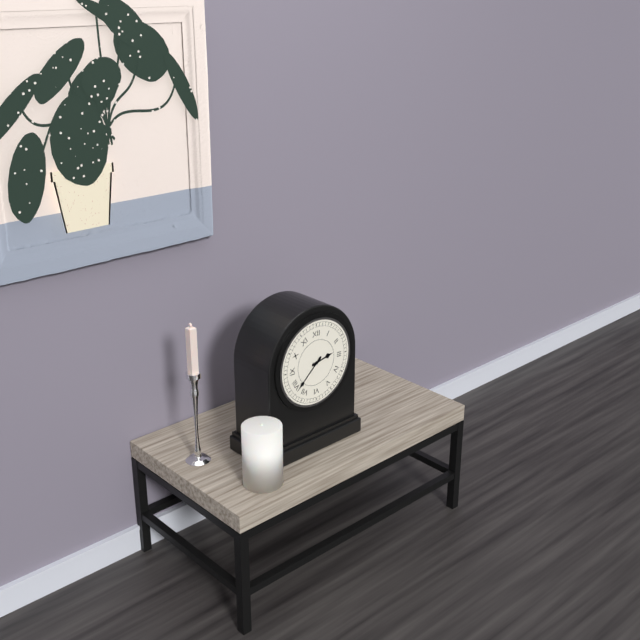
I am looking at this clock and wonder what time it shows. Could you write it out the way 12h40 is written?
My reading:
2h38
